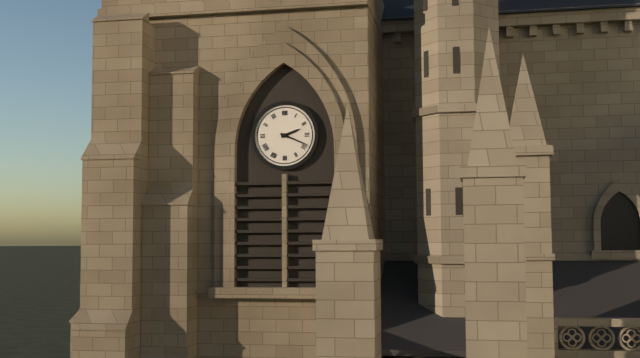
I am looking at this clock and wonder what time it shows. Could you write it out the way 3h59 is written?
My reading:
2h19
